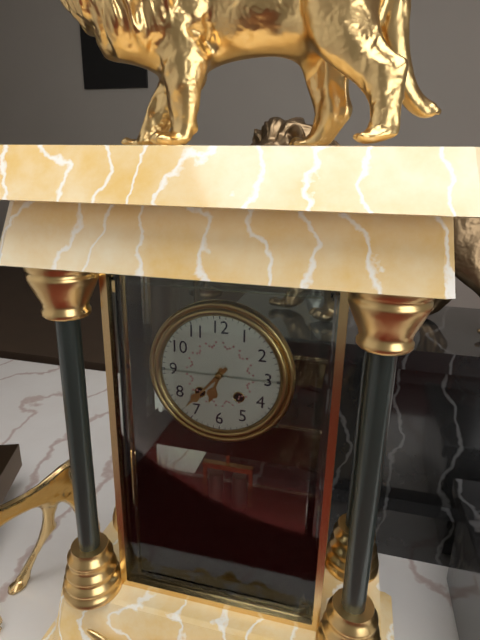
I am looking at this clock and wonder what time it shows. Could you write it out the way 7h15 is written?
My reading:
6h37
